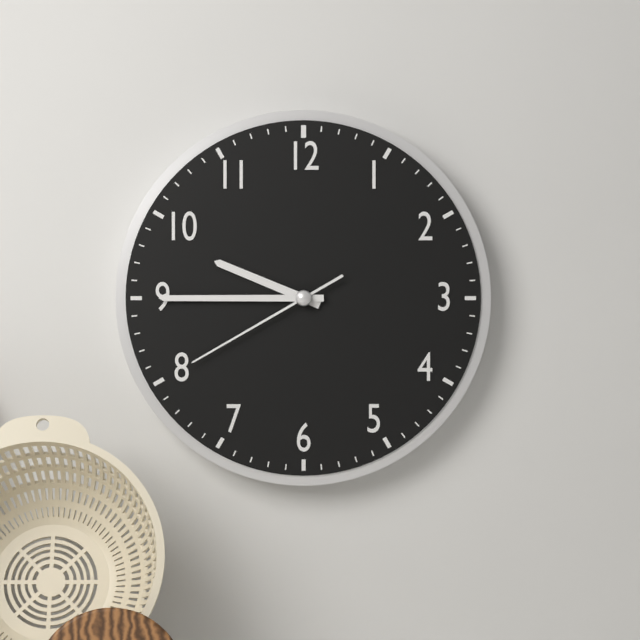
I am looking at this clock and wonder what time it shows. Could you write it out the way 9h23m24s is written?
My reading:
9h45m40s
